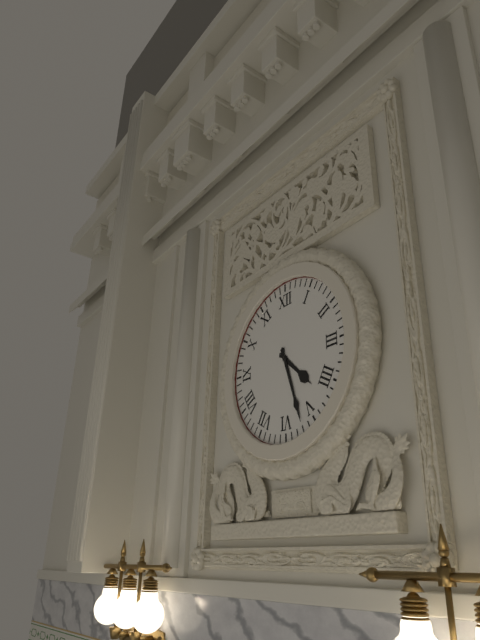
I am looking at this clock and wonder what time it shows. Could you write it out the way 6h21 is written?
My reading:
4h27
